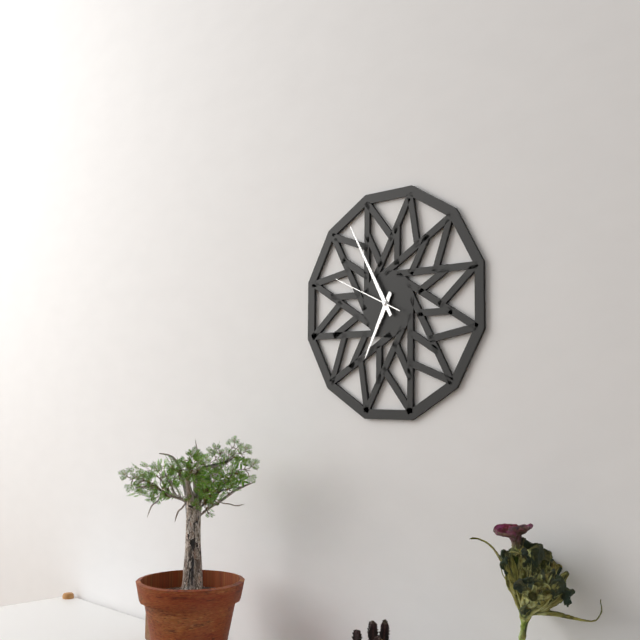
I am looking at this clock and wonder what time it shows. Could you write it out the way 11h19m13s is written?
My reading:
6h55m49s
